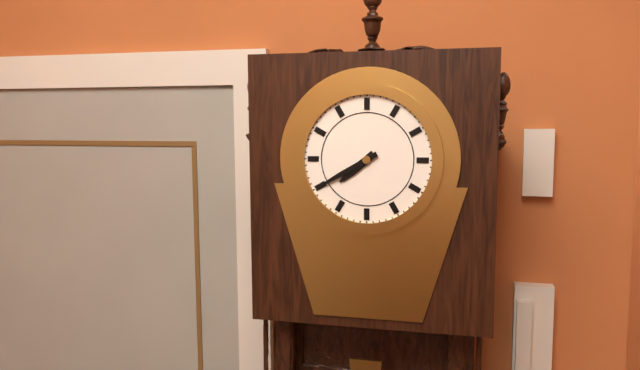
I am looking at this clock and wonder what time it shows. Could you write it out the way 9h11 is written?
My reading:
7h40
